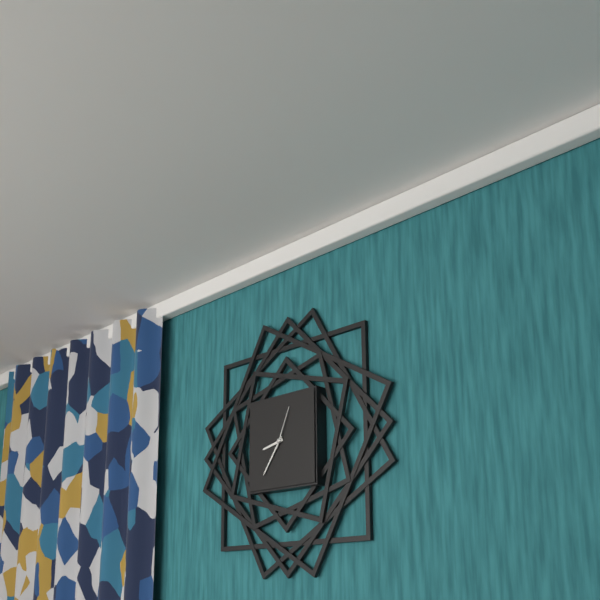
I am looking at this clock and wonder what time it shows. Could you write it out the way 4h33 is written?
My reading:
8h36
